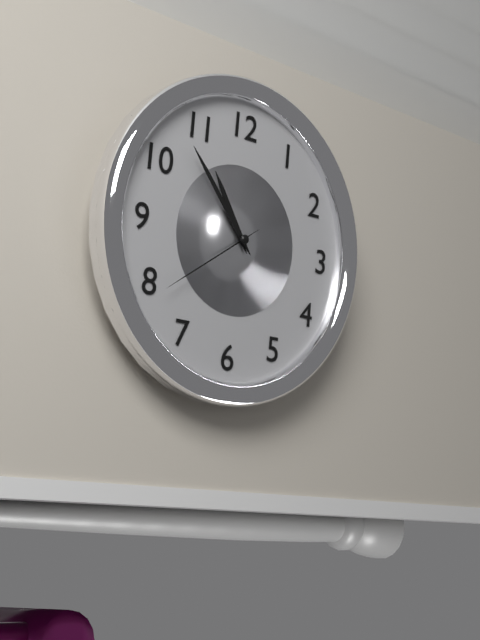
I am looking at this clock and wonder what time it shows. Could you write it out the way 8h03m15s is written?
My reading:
10h53m39s
